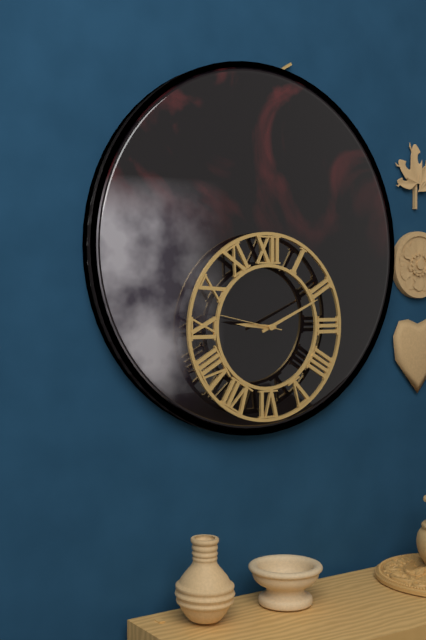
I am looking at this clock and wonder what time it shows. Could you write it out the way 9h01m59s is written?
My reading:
9h11m47s
